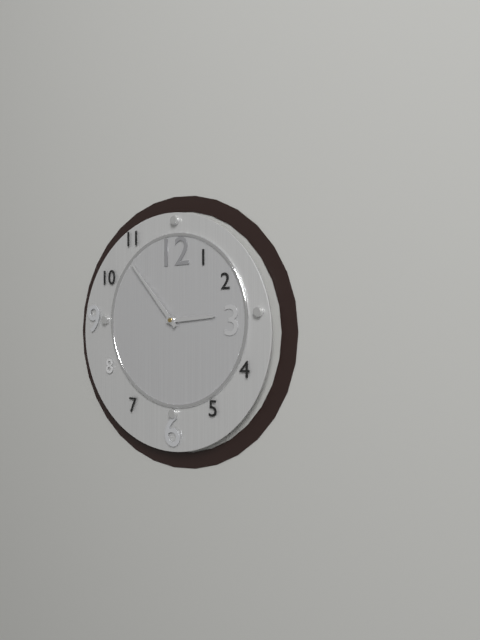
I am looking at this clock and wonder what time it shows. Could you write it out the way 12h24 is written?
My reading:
2h53
